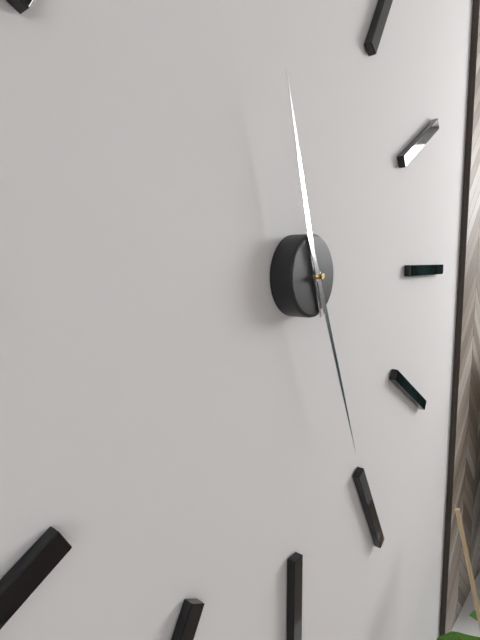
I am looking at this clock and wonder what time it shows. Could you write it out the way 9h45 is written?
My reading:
11h26
